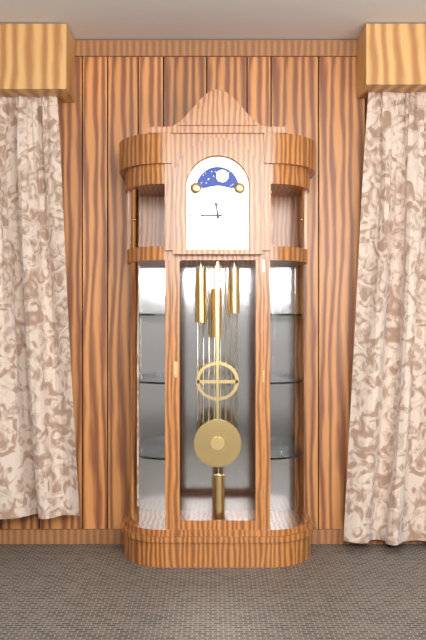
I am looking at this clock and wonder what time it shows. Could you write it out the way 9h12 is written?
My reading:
11h45
